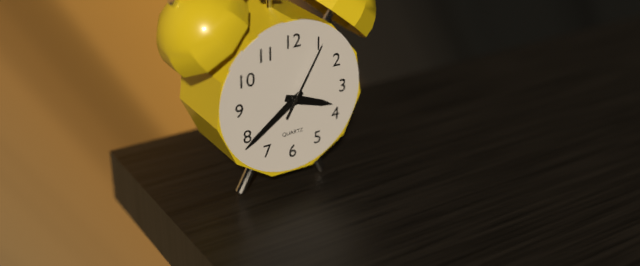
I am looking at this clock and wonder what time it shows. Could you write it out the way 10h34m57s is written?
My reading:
3h39m05s
